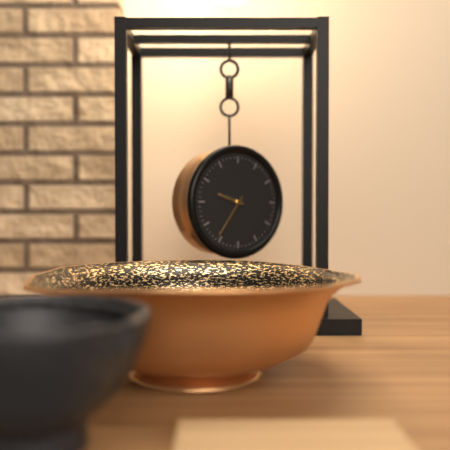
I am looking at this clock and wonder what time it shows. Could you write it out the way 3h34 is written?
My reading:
9h36
